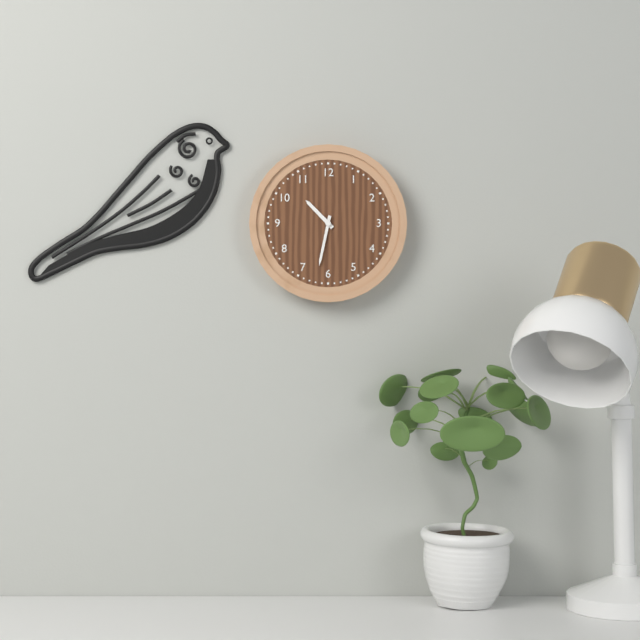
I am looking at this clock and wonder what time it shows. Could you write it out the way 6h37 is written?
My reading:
10h32
